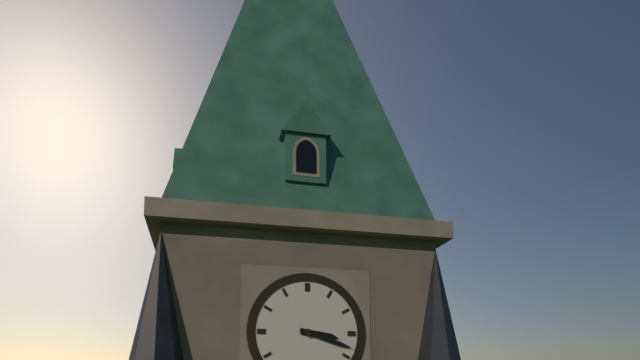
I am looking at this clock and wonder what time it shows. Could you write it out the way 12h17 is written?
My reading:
3h18
